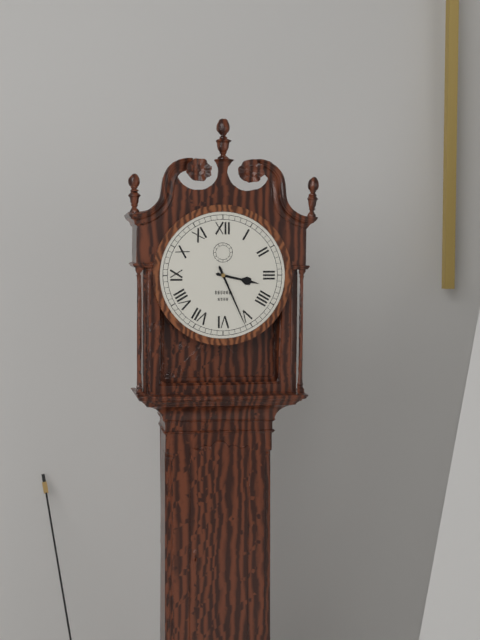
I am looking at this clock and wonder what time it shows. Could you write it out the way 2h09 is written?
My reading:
3h26
